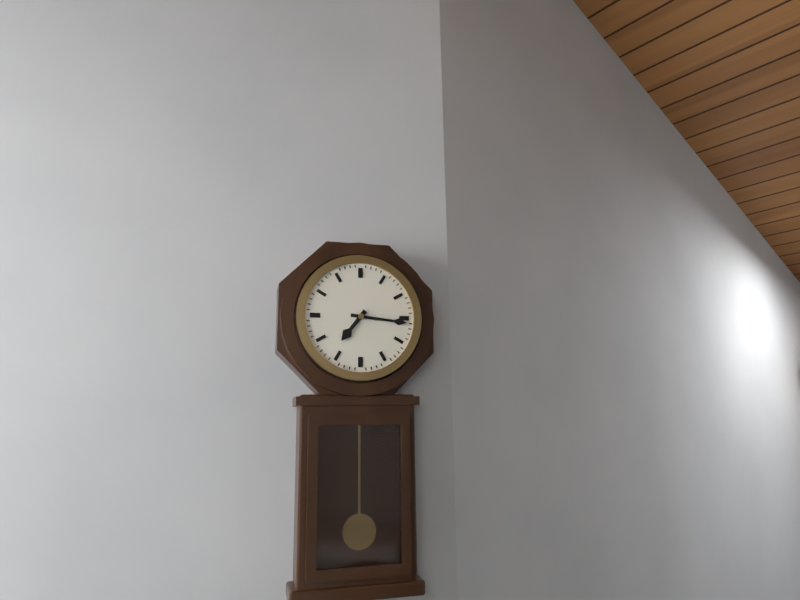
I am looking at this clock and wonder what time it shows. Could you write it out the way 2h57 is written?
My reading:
7h16
